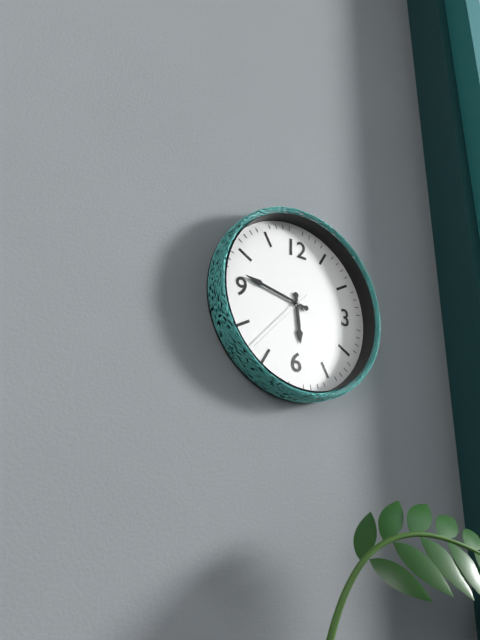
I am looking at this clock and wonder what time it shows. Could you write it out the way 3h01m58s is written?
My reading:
5h47m37s
